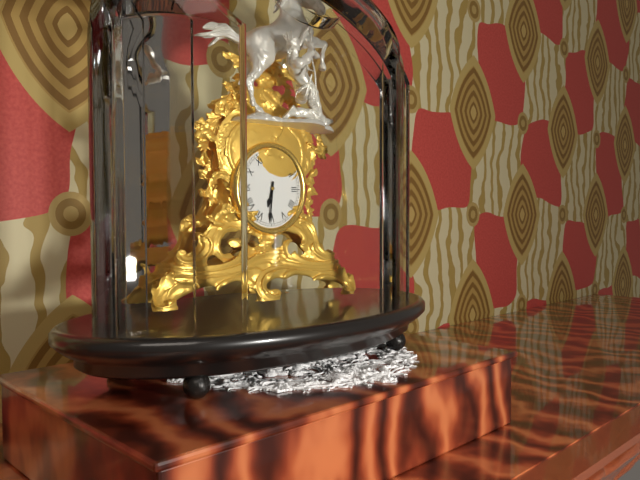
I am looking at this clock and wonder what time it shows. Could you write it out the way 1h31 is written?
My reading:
6h31
